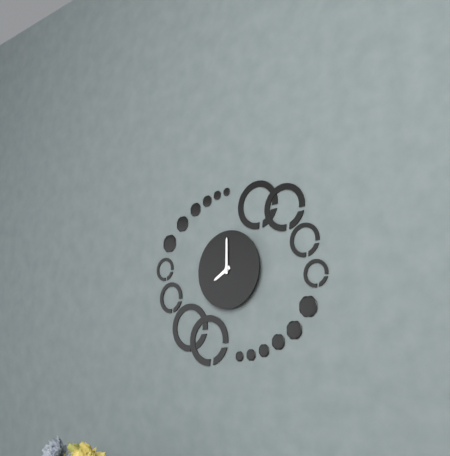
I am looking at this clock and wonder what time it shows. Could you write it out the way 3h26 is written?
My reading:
8h00
